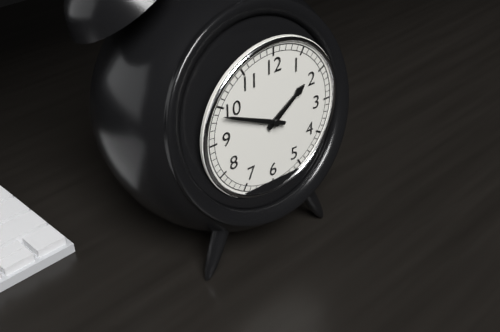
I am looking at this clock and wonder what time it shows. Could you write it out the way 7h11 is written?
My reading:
1h49
